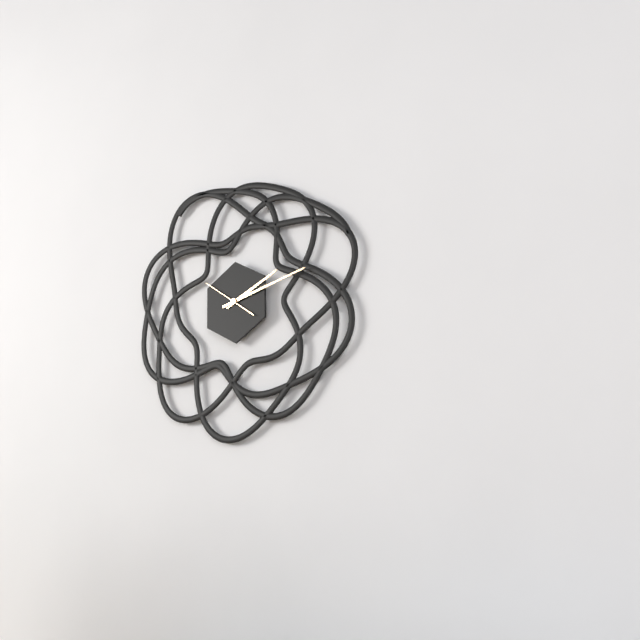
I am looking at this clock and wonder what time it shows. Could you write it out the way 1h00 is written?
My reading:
2h13
